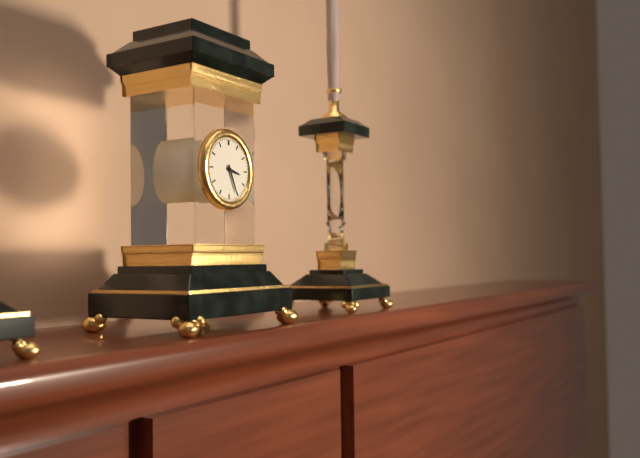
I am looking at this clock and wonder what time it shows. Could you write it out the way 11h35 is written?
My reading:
3h26
